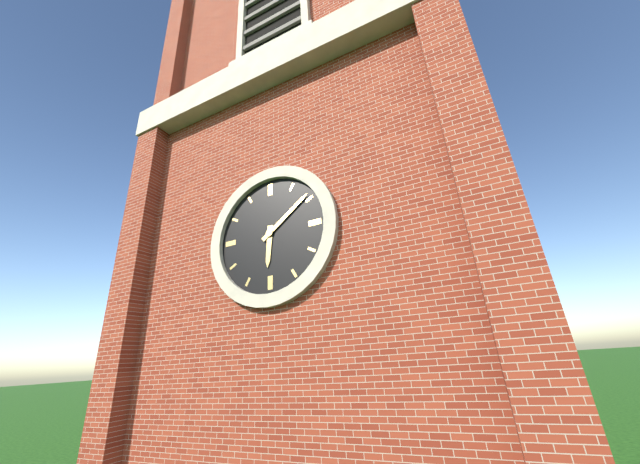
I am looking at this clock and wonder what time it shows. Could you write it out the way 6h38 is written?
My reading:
6h09
